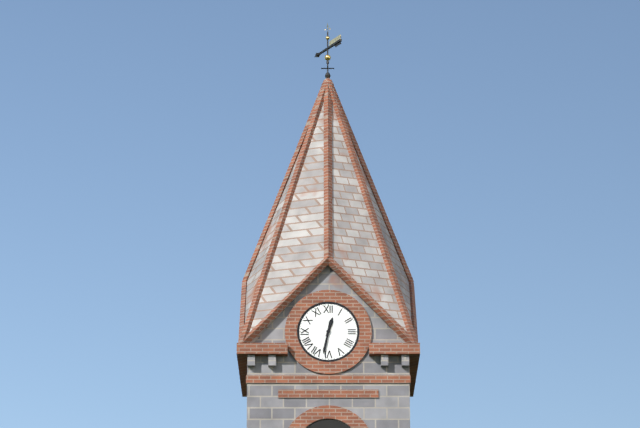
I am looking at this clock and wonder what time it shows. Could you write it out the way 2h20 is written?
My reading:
12h32
